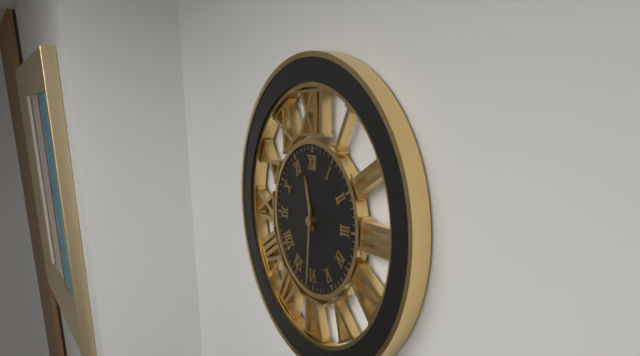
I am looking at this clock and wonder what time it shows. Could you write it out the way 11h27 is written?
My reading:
11h31
